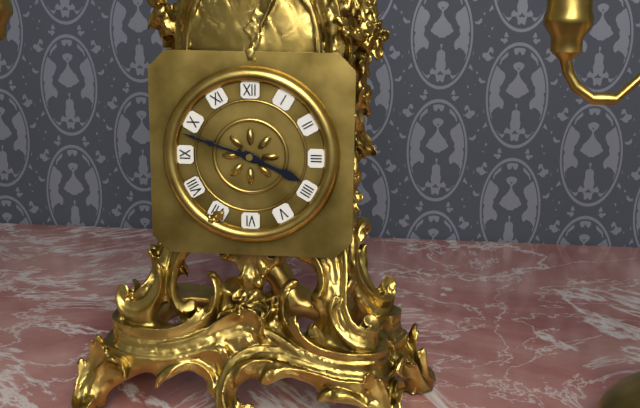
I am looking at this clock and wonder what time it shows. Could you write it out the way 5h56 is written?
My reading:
3h48
